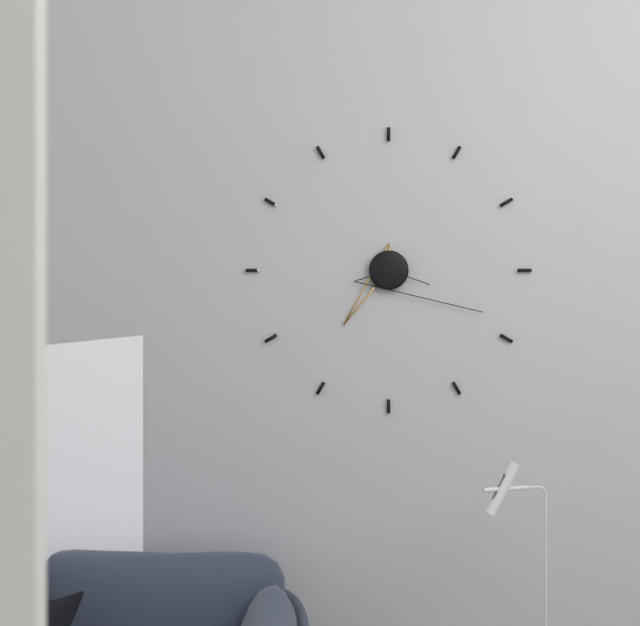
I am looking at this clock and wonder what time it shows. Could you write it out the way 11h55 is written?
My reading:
7h19
